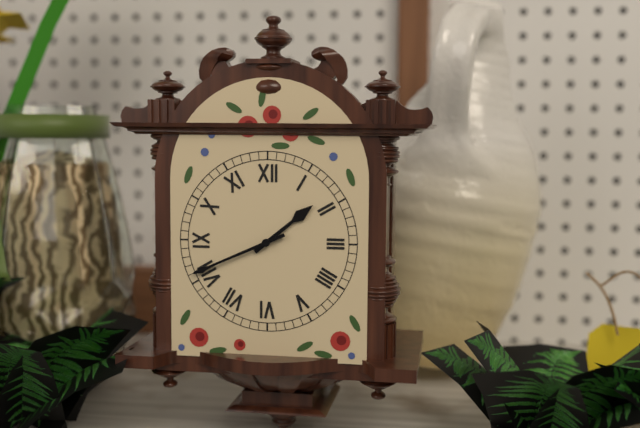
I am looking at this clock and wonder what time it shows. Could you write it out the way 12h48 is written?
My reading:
1h41
